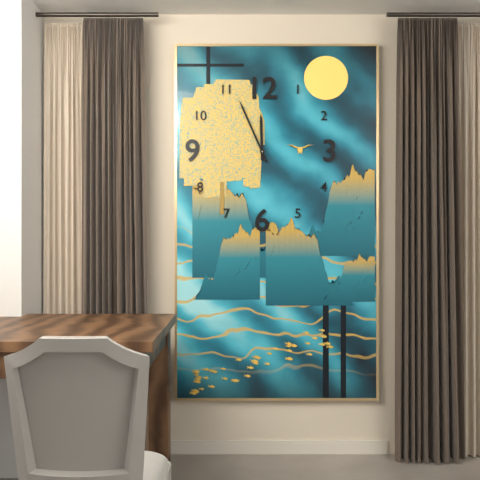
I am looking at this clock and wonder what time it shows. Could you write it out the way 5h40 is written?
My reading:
11h56
